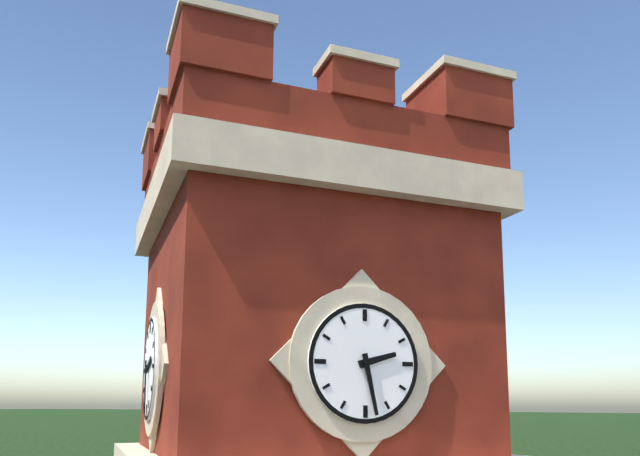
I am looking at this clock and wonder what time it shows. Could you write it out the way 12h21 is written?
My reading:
2h28
